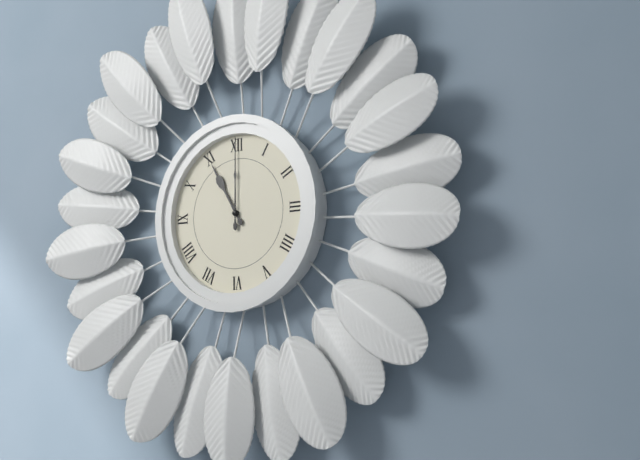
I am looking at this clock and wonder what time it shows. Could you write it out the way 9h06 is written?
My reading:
11h00
